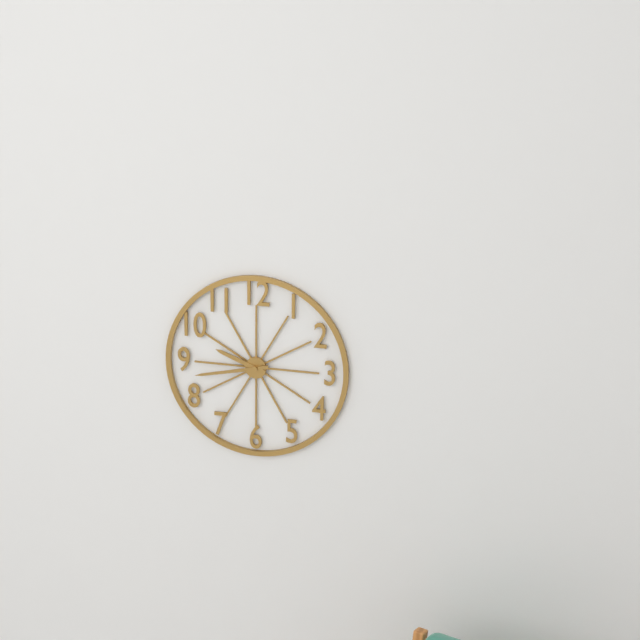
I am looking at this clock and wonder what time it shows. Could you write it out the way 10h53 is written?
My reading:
9h43
